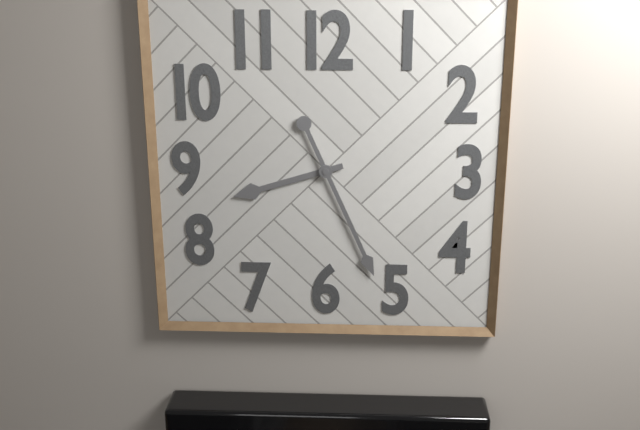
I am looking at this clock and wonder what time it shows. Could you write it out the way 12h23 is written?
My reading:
8h26
